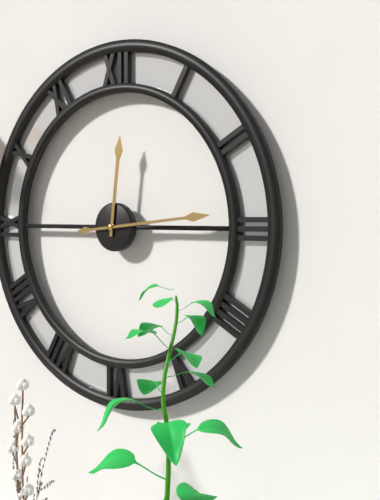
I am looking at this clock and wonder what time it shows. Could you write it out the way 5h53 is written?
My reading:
12h14
